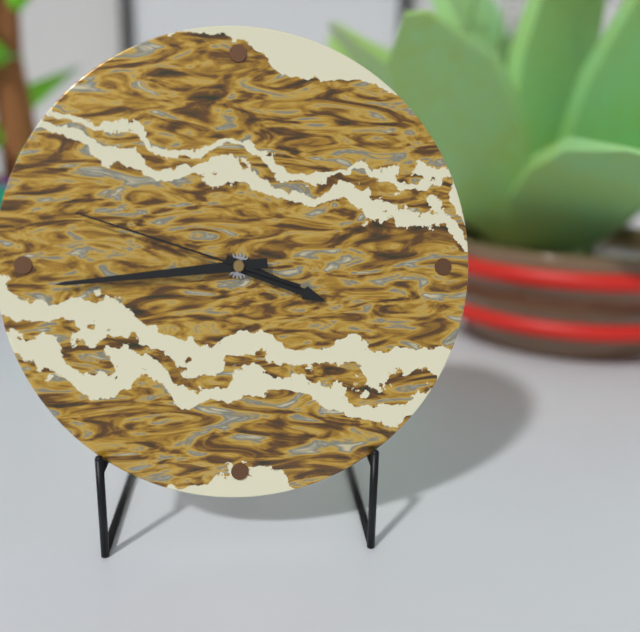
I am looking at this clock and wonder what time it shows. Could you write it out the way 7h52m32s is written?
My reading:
3h44m48s
